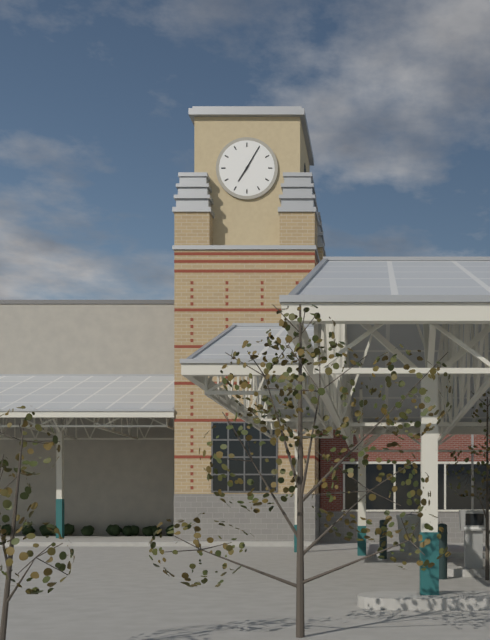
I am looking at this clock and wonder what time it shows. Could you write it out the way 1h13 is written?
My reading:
7h05
